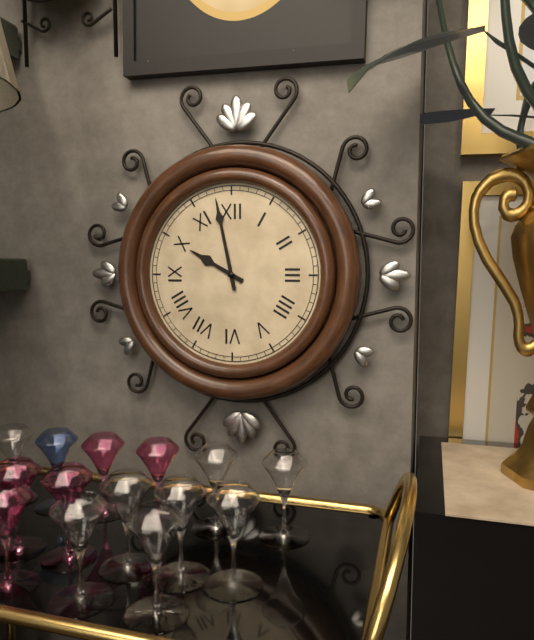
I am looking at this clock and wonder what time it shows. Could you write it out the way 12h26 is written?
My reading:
9h58
